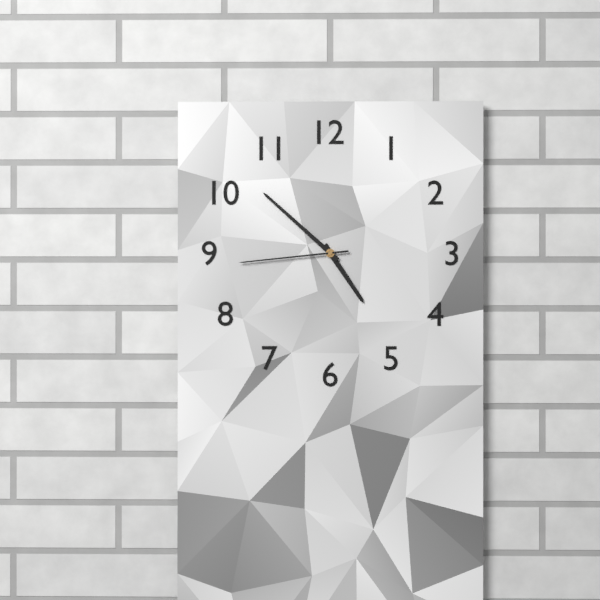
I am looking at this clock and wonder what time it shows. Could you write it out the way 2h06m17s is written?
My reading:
4h52m44s
